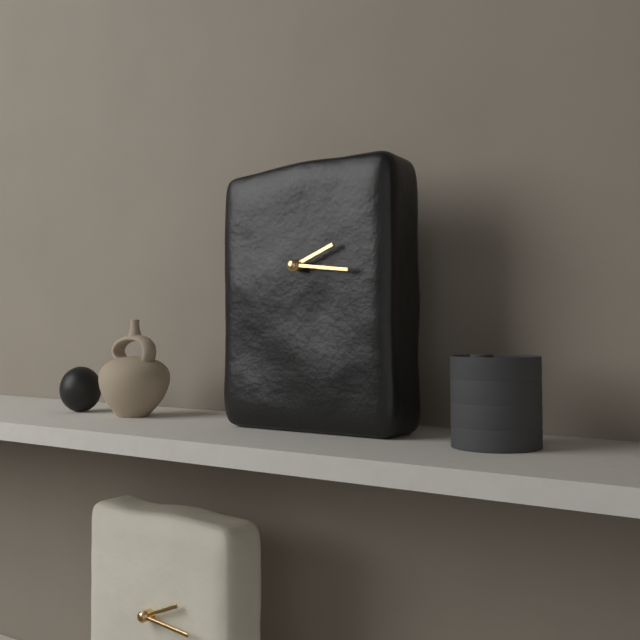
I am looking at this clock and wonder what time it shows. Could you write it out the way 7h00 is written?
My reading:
2h16
